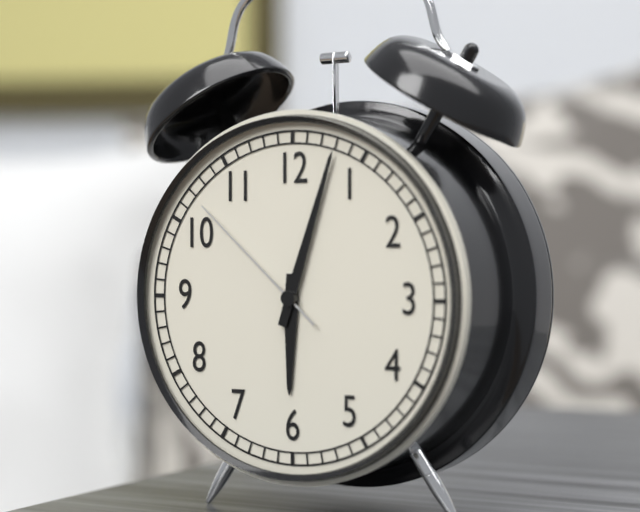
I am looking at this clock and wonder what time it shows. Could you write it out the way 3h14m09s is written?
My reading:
6h03m52s
